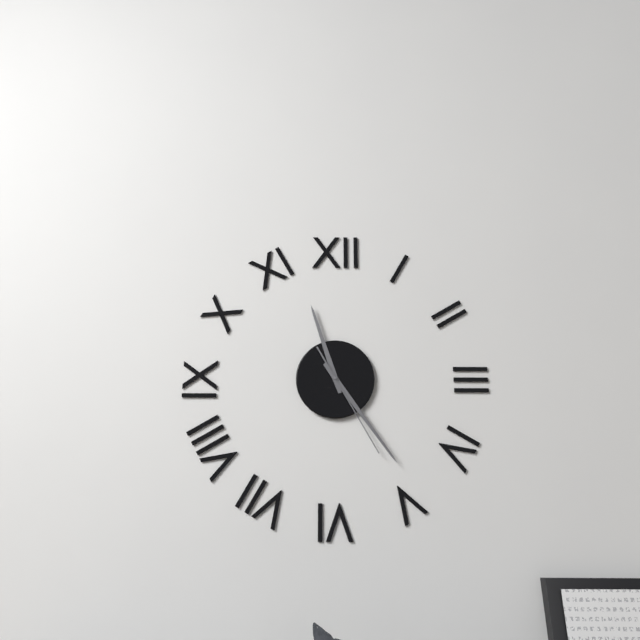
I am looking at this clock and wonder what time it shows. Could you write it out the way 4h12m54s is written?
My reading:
11h24m25s
